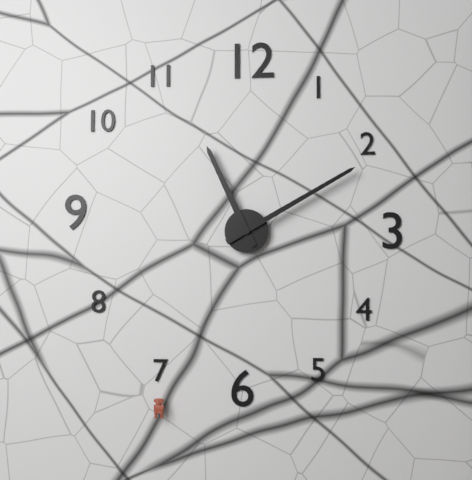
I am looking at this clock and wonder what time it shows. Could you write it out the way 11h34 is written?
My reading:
11h10
